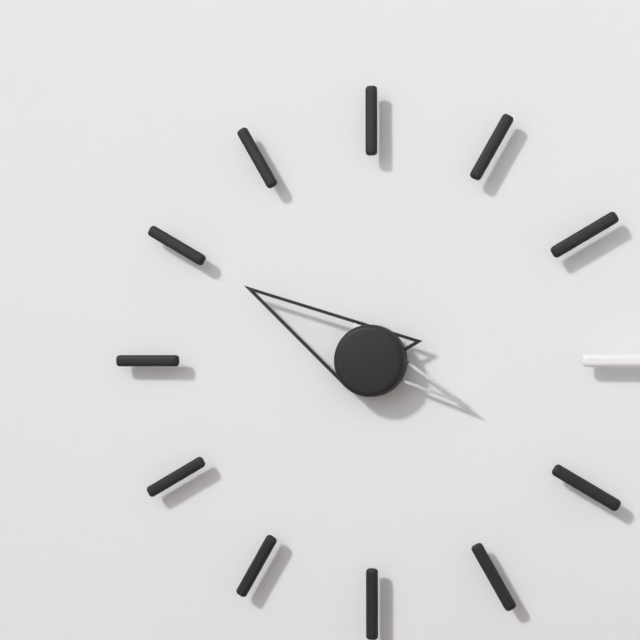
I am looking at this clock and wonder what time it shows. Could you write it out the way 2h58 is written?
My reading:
3h50
